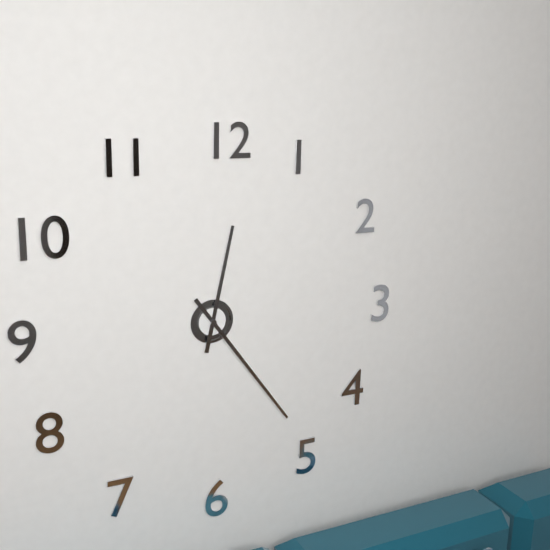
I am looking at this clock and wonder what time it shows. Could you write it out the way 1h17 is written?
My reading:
12h24
